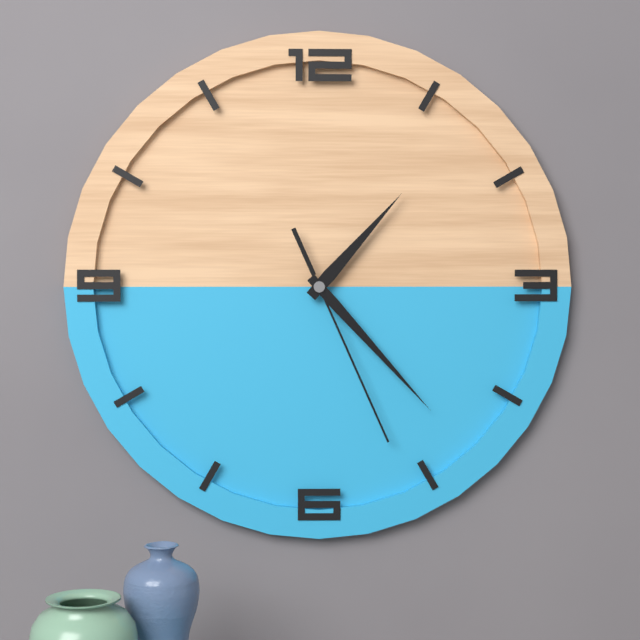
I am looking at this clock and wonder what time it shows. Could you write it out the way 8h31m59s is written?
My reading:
1h23m26s
